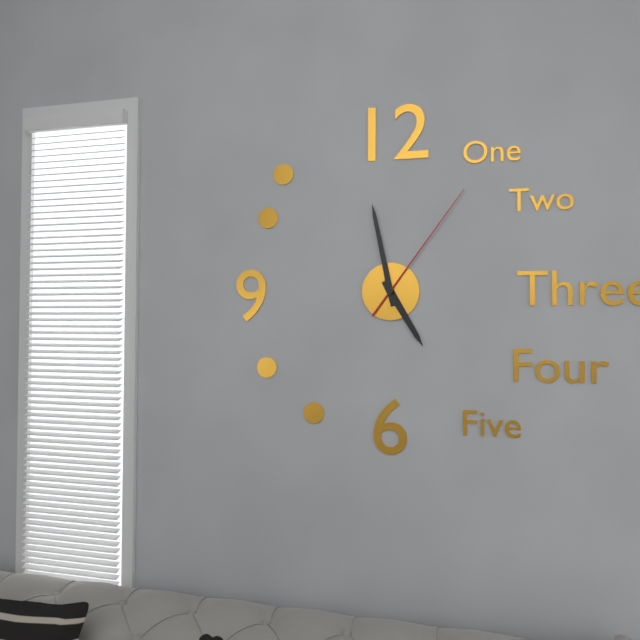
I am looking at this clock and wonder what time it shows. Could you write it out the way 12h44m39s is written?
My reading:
4h58m06s
